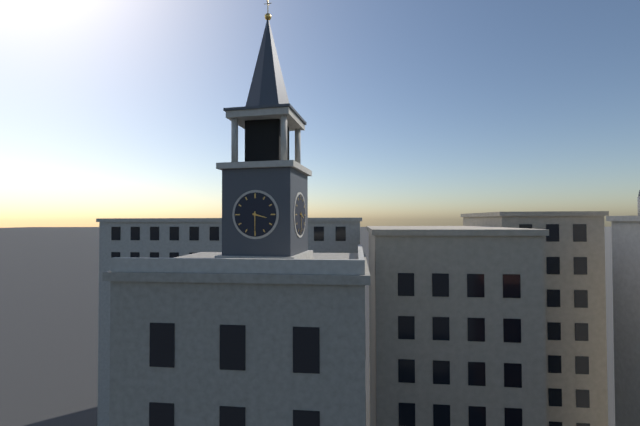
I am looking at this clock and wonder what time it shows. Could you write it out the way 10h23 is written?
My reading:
3h30
